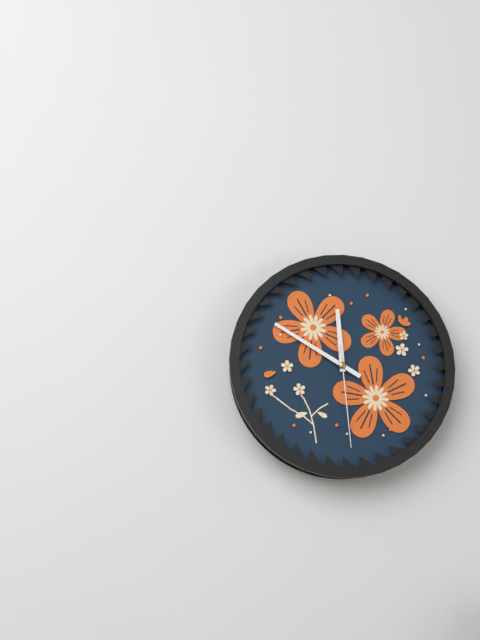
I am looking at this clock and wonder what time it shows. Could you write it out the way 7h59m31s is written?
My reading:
11h50m29s
